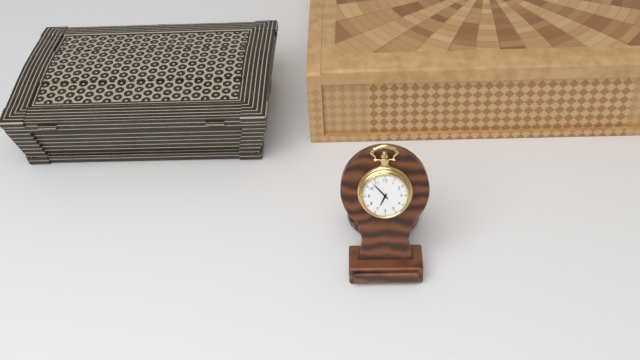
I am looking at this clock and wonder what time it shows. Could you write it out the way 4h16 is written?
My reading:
6h53
